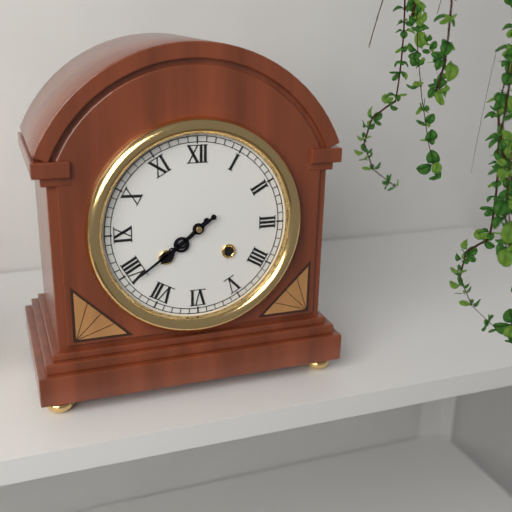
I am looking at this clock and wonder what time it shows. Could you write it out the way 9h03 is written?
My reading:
7h39
